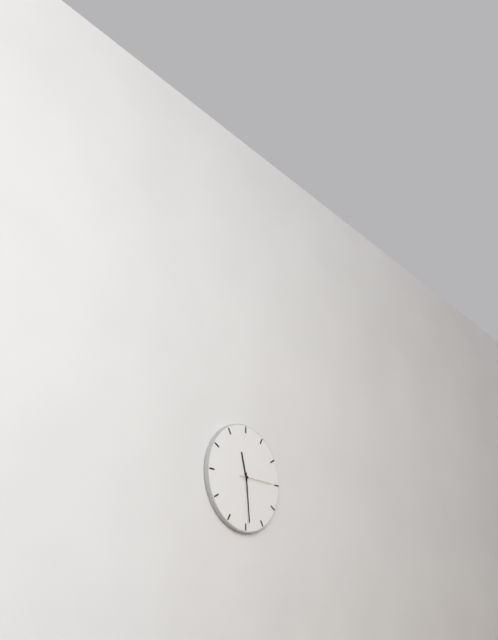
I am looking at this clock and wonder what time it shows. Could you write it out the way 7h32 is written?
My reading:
11h29
